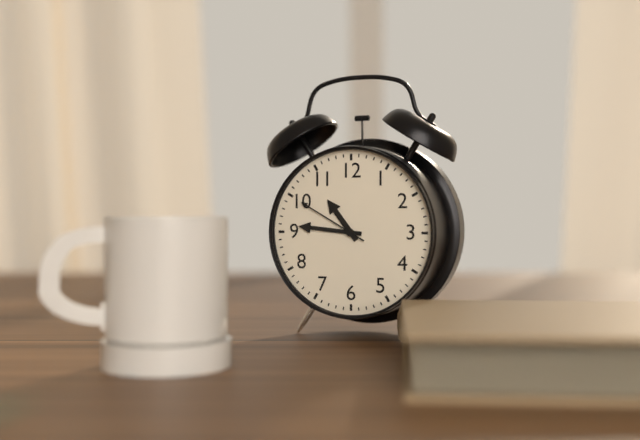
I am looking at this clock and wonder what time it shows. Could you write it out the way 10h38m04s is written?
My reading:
10h46m50s
